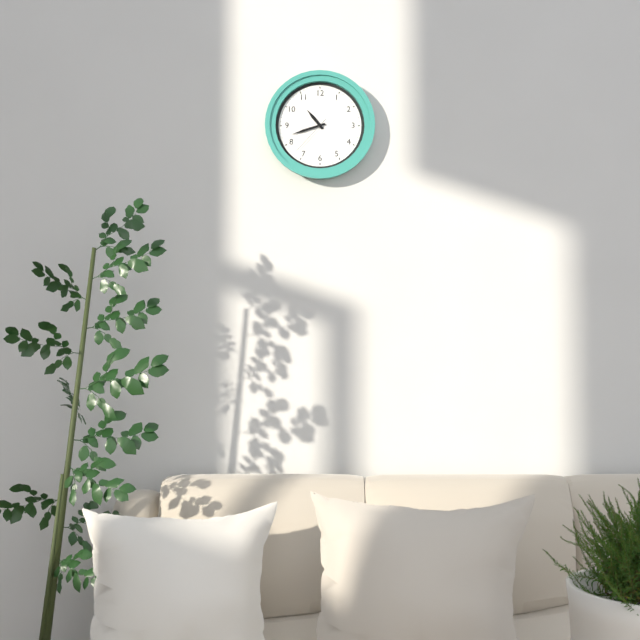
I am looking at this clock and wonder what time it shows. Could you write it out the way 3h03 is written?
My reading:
10h42
